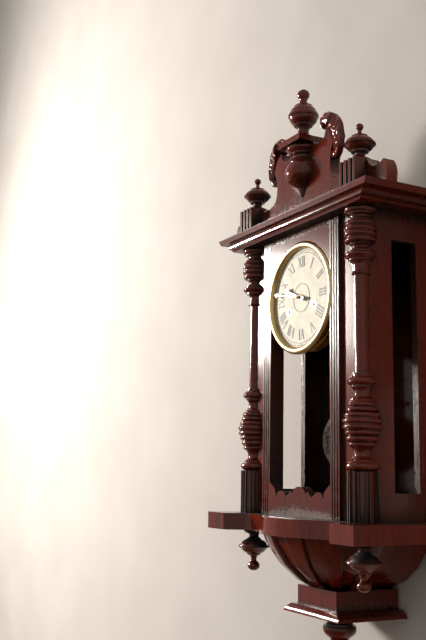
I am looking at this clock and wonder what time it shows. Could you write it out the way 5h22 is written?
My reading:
9h47
